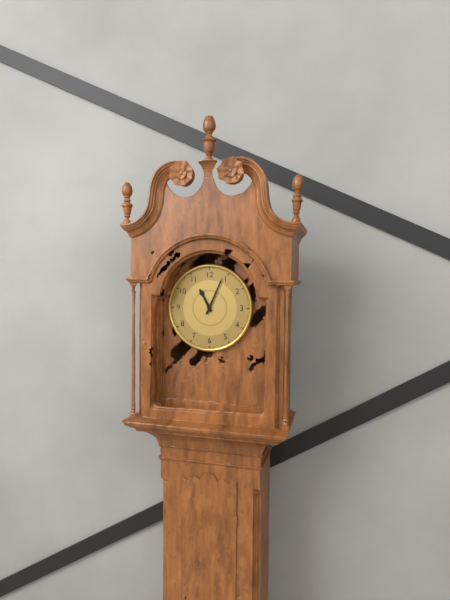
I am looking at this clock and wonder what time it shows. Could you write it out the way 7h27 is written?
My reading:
11h04
